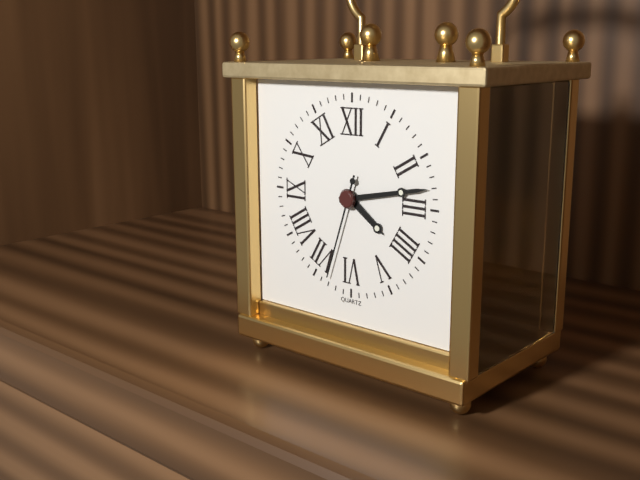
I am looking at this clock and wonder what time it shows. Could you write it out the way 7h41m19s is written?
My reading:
4h13m33s
